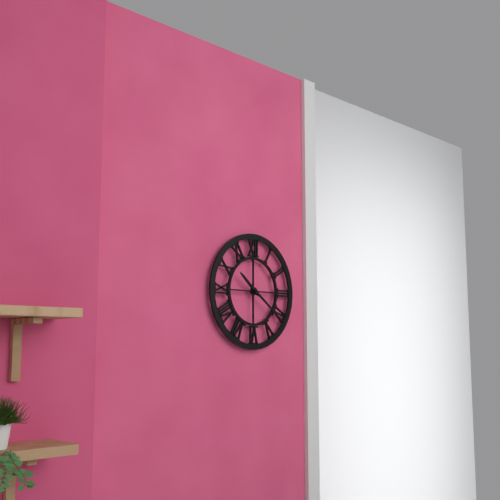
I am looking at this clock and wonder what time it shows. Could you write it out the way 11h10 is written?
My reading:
10h21
